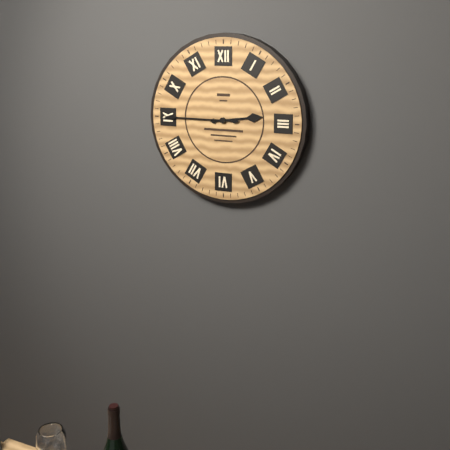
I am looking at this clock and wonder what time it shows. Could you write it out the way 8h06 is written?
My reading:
2h45
